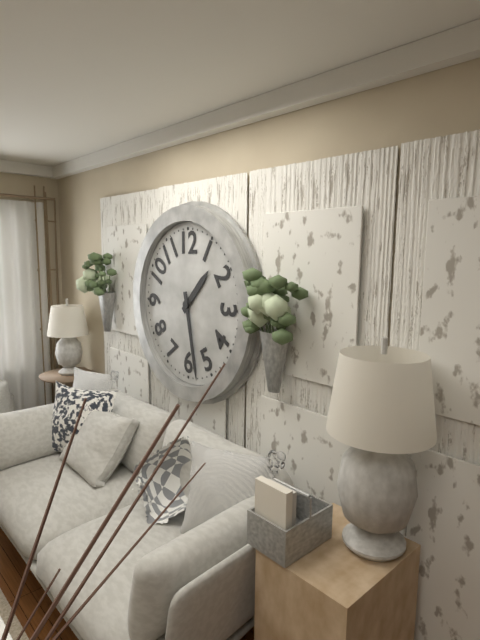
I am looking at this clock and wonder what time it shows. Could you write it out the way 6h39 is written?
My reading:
1h28
